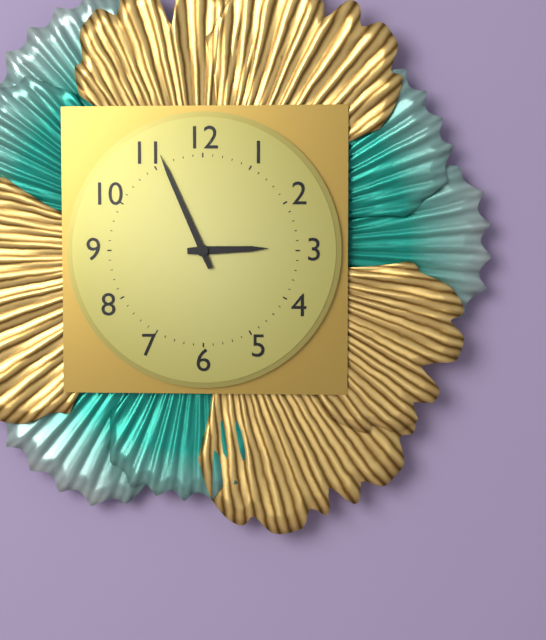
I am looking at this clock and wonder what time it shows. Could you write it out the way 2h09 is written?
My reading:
2h56
